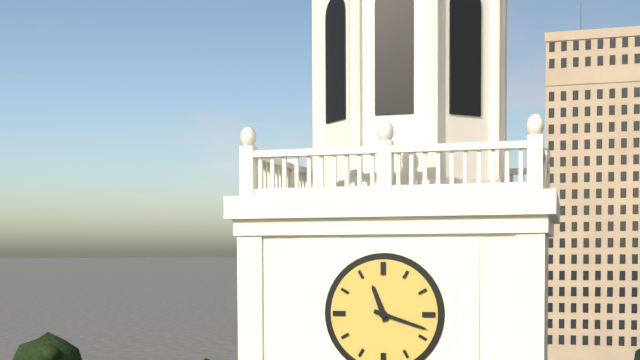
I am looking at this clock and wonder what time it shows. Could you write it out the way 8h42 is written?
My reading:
11h18
